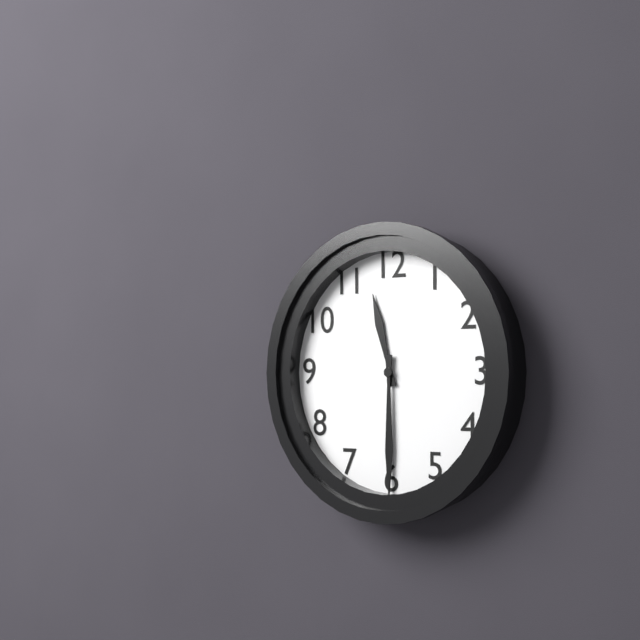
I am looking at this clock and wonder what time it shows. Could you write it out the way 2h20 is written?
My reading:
11h30
